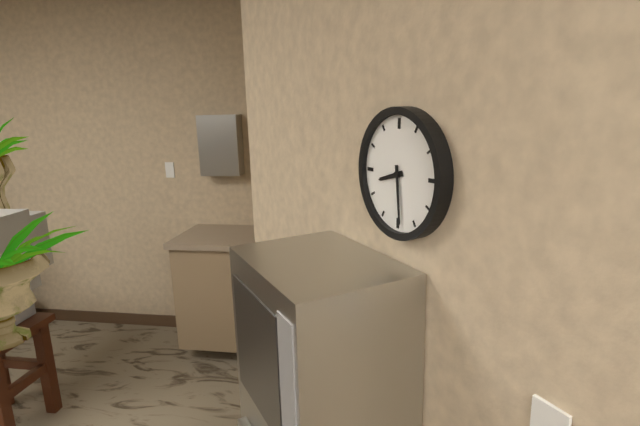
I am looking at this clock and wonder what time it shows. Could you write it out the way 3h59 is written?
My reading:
8h29
